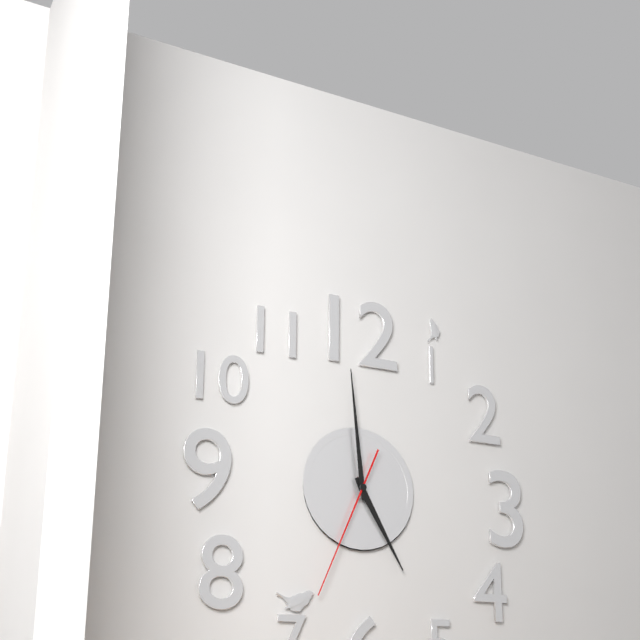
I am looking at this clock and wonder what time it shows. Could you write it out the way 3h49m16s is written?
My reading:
4h59m34s
